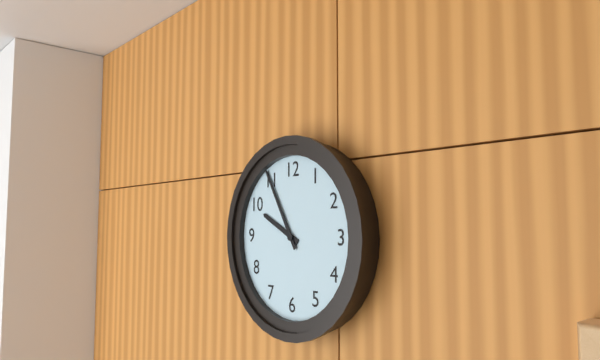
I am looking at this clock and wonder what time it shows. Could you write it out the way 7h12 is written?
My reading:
9h55
